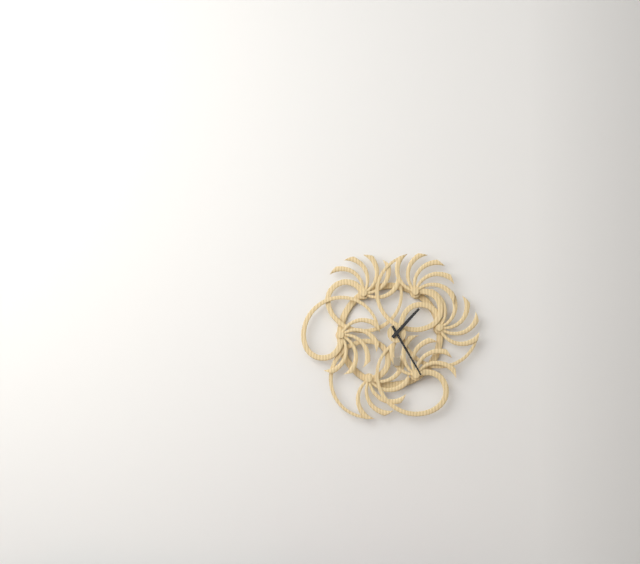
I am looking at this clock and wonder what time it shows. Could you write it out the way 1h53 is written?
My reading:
1h25
